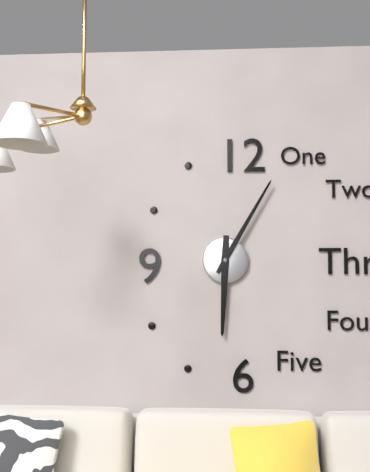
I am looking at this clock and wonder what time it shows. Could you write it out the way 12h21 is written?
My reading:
6h05
